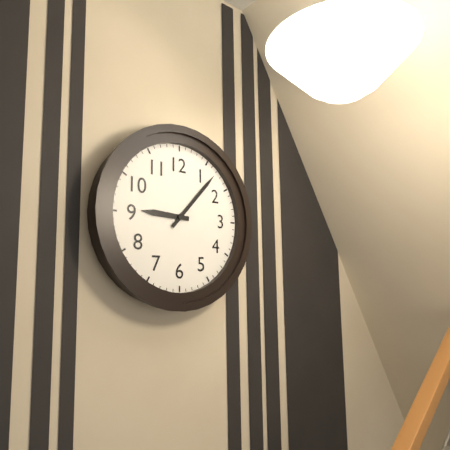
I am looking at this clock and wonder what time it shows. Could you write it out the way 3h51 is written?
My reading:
9h07
